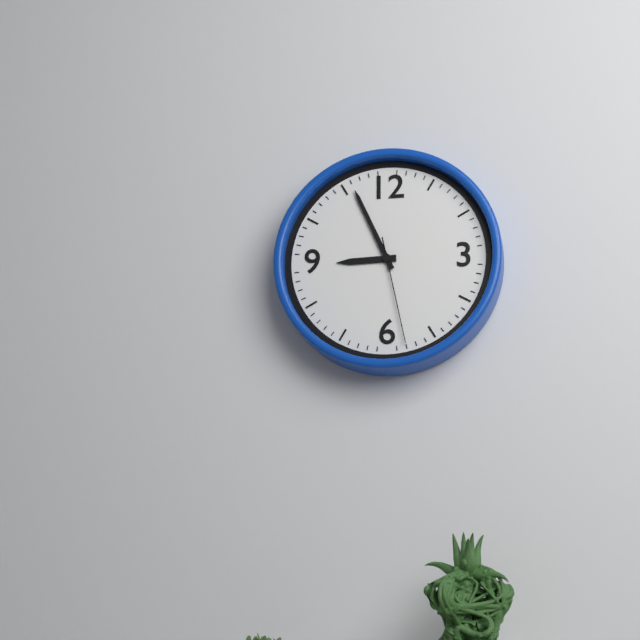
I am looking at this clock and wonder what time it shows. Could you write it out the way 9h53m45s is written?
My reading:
8h56m28s
